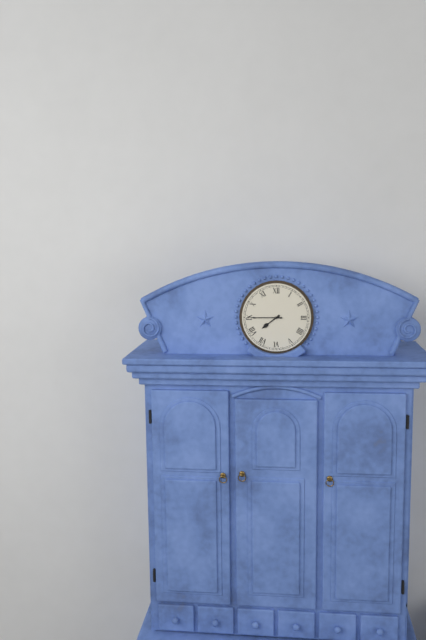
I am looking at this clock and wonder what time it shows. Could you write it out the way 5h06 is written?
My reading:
7h45
